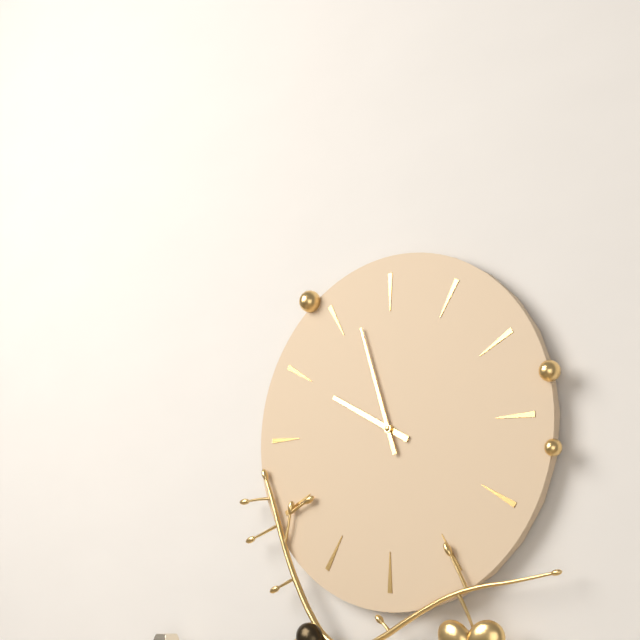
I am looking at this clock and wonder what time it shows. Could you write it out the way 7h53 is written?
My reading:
9h57
